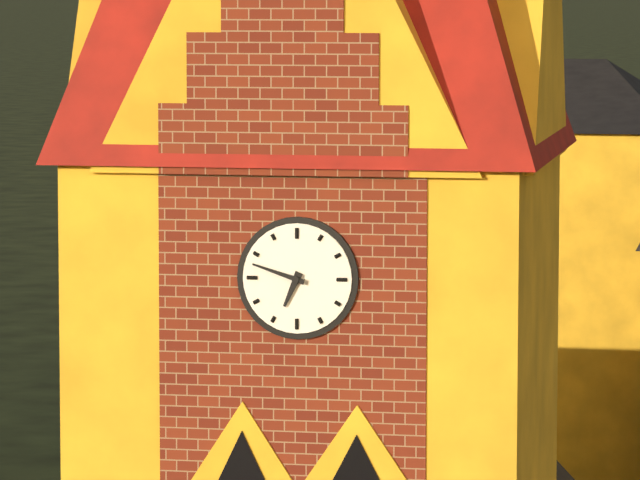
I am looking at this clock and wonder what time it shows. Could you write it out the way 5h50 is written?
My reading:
6h48
